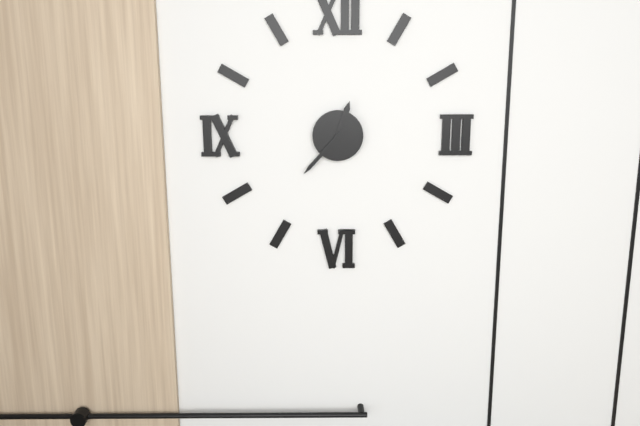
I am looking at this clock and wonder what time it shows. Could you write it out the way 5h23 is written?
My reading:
12h37
